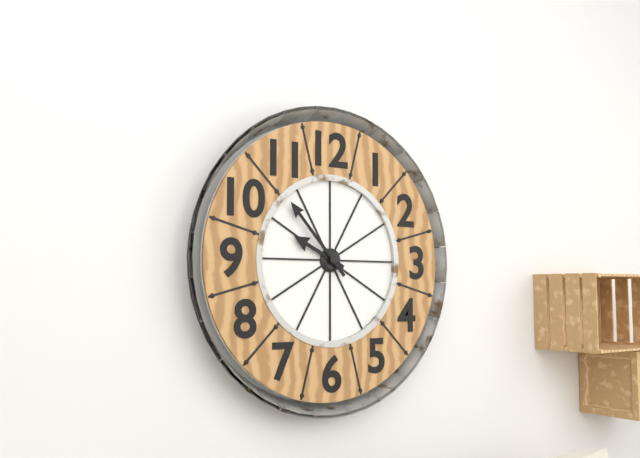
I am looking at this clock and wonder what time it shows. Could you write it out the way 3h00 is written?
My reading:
9h53
